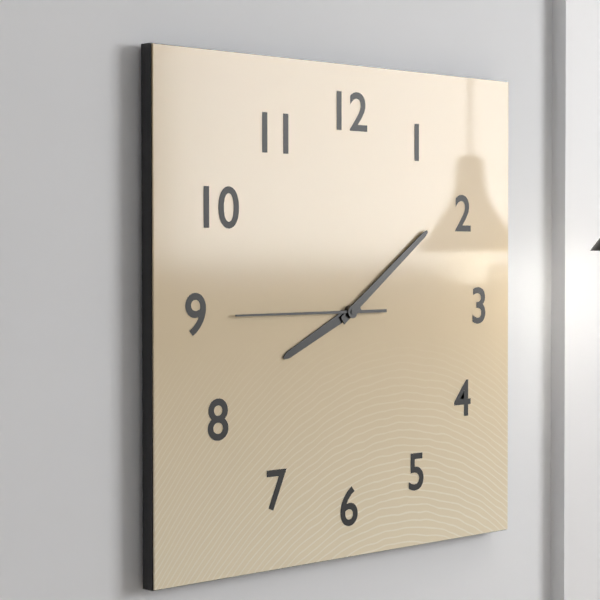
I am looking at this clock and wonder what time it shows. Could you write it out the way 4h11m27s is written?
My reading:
8h09m45s
